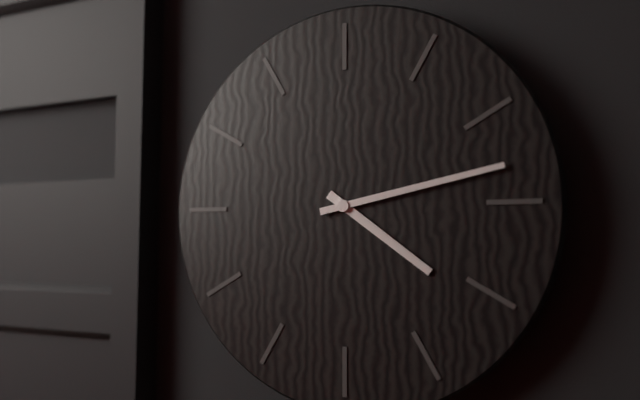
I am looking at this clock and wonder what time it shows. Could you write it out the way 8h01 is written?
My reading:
4h13
